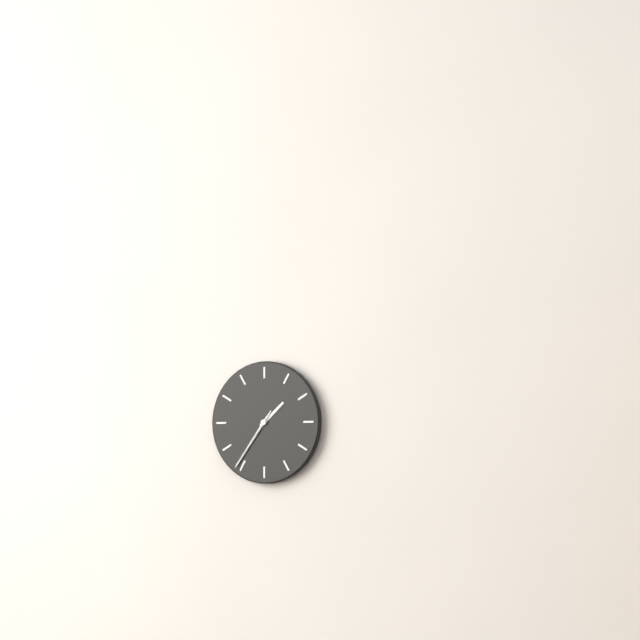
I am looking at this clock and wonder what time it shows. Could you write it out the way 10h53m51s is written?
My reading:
1h36m36s
